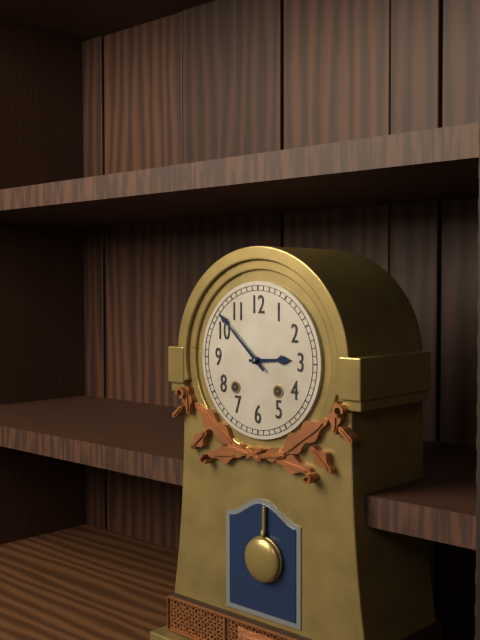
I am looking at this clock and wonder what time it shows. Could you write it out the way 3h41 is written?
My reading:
2h52
